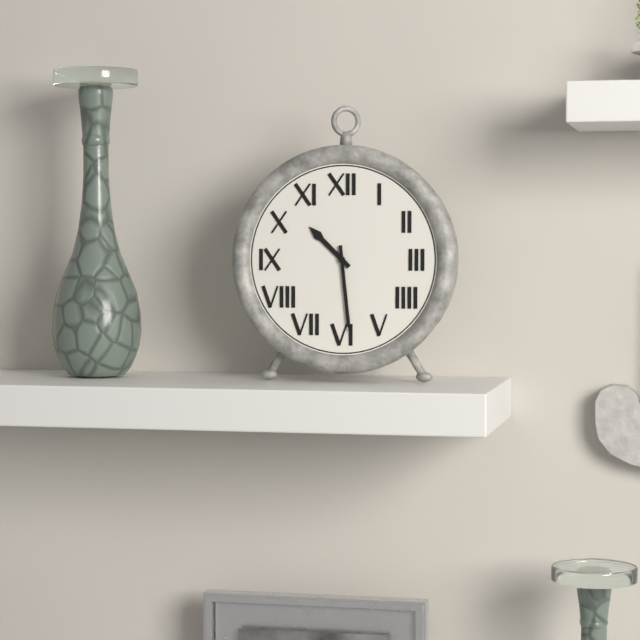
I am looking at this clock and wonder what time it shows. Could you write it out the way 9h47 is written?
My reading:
10h29
